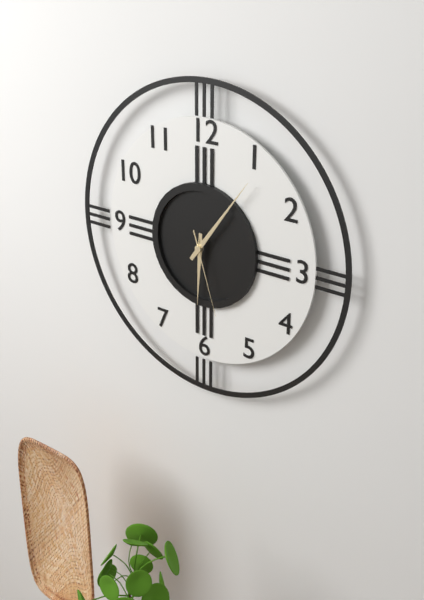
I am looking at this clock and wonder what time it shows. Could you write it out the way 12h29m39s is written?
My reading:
6h06m27s
